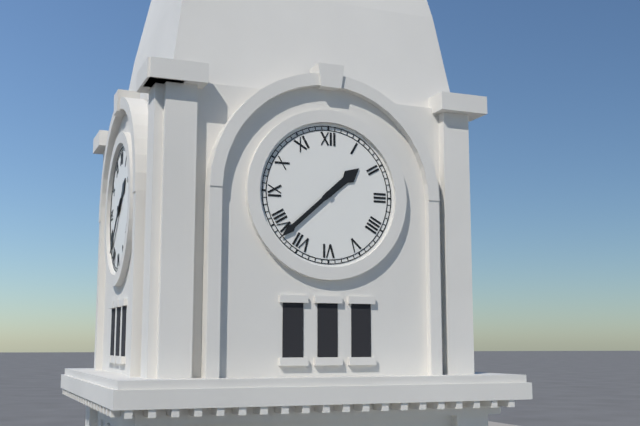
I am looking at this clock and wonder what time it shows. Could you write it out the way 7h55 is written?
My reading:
1h38
